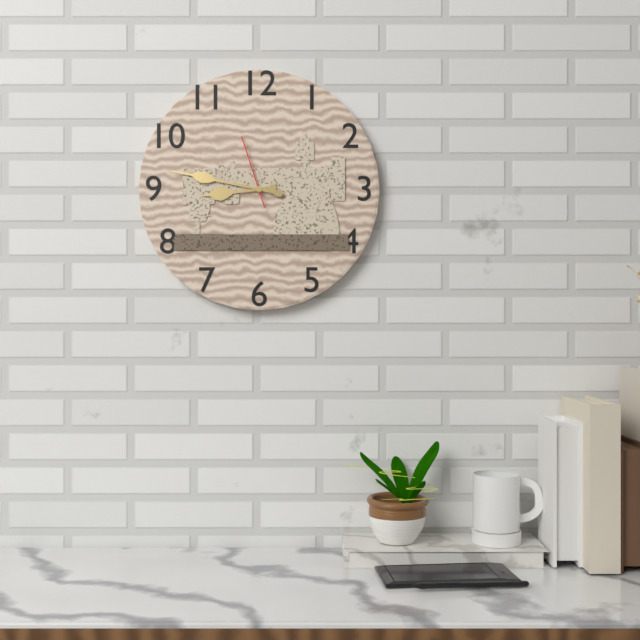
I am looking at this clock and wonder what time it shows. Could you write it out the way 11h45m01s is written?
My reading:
8h47m57s
